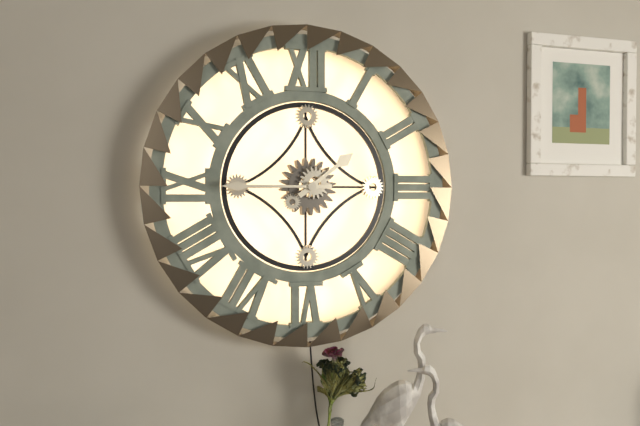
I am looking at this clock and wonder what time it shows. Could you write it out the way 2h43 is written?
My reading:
1h45
